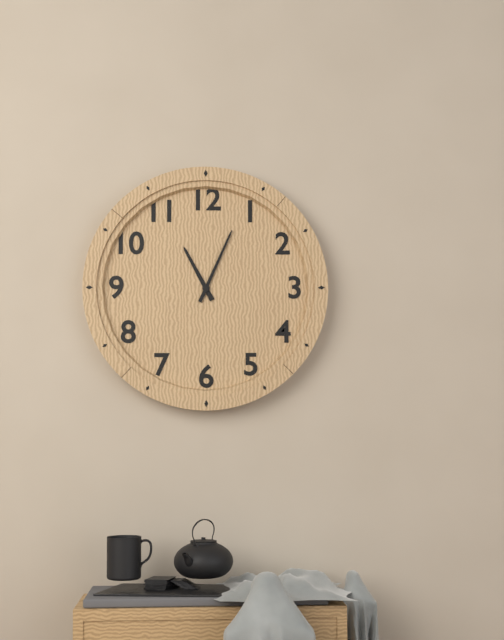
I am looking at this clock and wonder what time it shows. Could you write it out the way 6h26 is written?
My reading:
11h04
